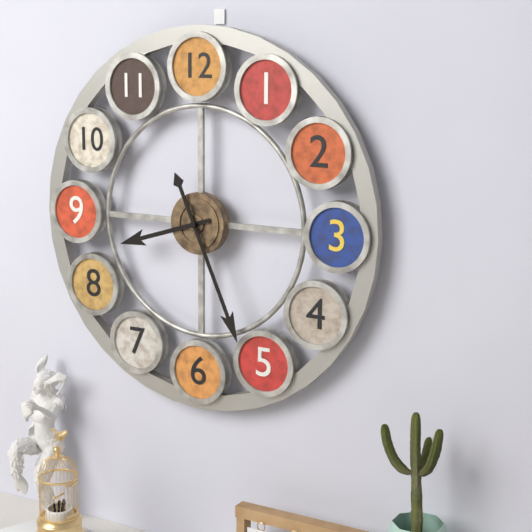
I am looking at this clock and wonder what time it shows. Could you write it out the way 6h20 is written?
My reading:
8h26
